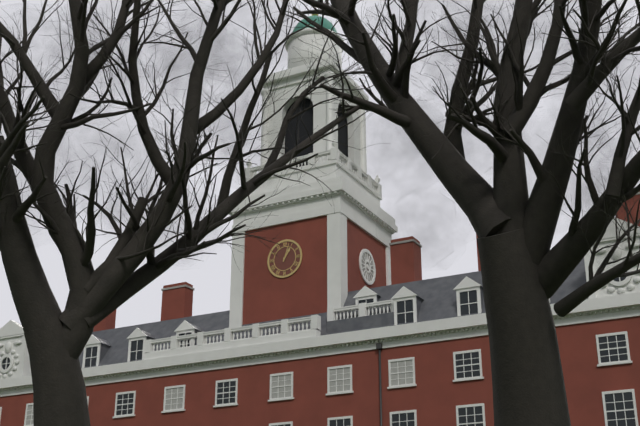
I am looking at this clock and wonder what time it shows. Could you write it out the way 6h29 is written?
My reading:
1h03
